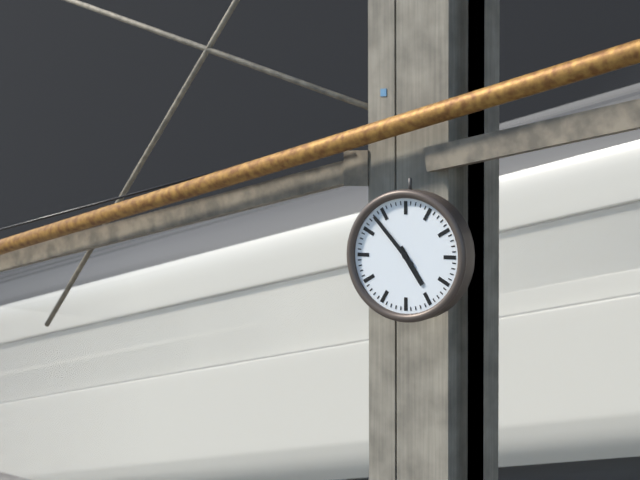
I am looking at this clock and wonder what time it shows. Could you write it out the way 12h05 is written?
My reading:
4h53
